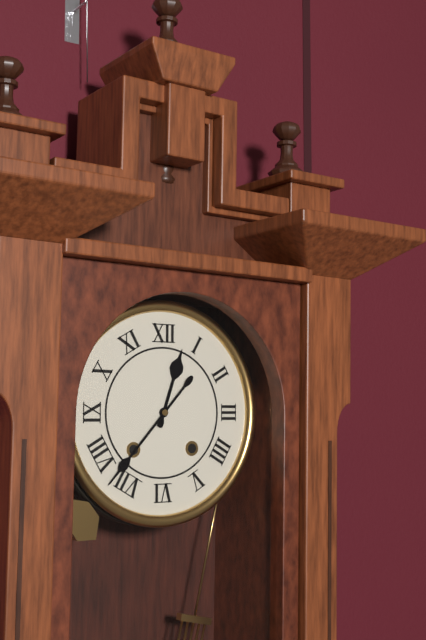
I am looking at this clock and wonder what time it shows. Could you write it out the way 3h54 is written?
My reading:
12h37
